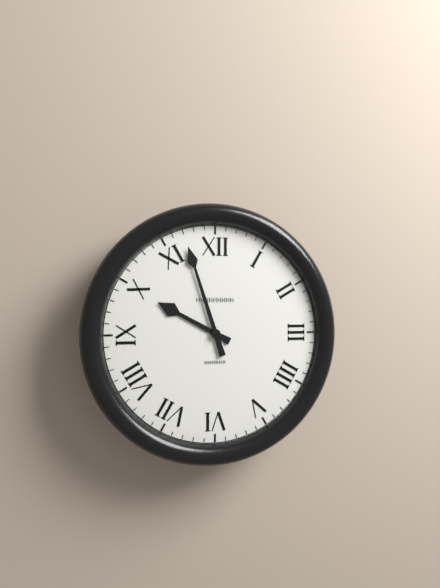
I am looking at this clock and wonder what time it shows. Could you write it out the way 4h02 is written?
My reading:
9h57
